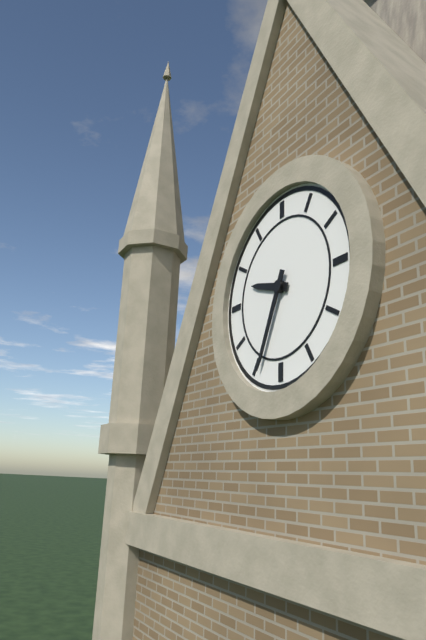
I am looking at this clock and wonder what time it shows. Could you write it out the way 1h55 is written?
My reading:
9h34
